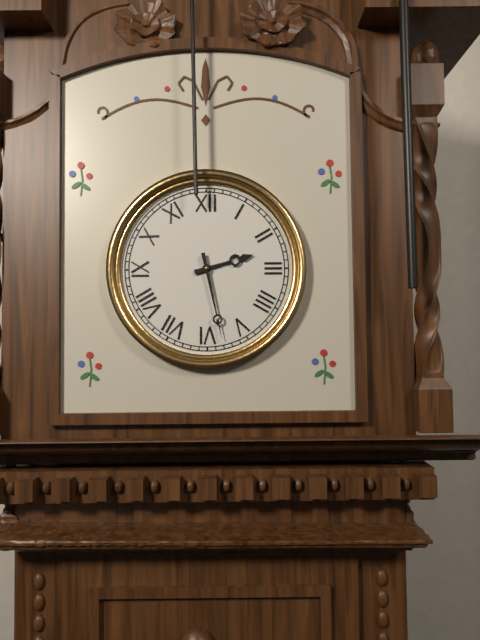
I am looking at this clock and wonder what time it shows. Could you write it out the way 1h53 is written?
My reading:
2h28
